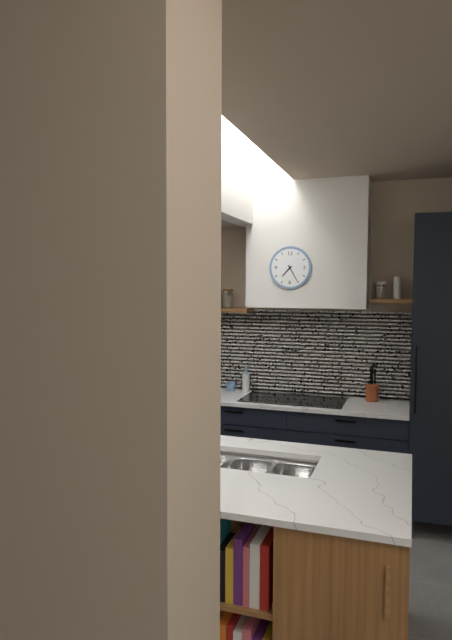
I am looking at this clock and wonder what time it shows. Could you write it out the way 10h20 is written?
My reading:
7h25
